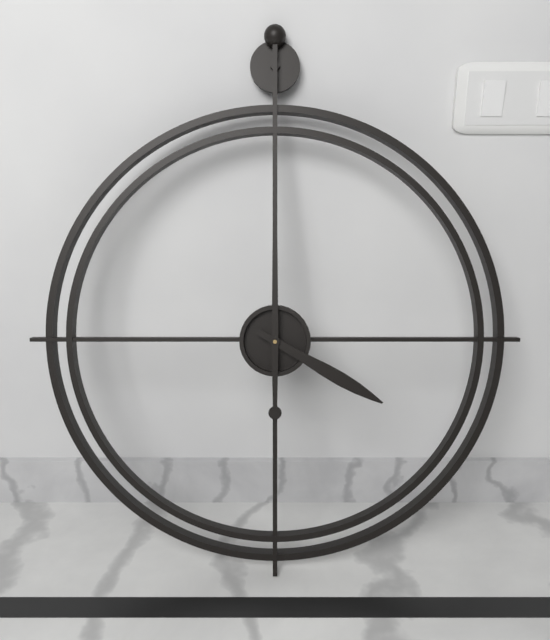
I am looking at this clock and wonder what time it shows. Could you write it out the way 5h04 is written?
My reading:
4h00
